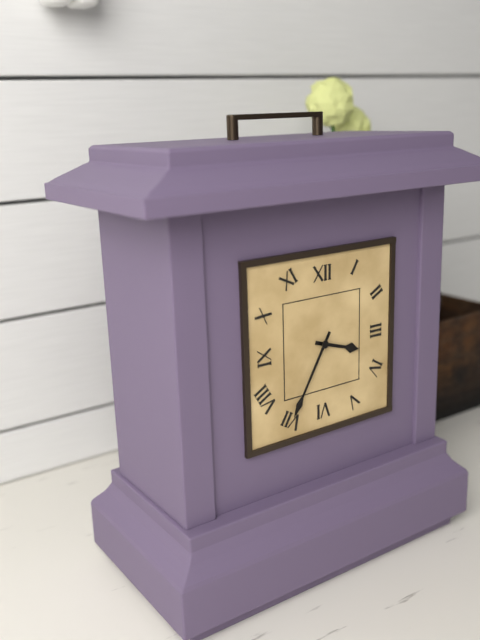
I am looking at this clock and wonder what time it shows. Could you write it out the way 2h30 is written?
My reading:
3h35
